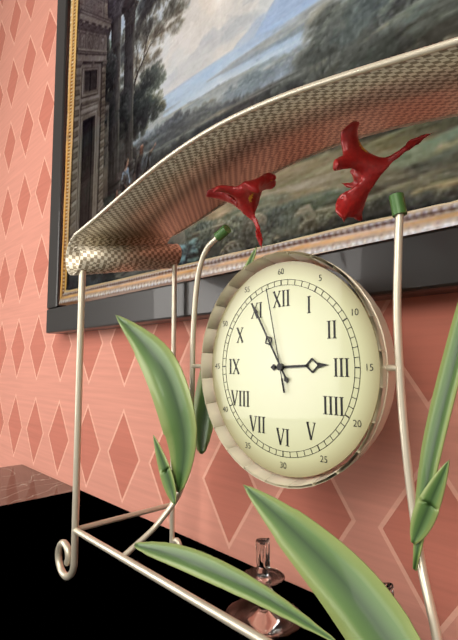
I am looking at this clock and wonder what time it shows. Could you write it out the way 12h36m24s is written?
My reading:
2h55m58s
